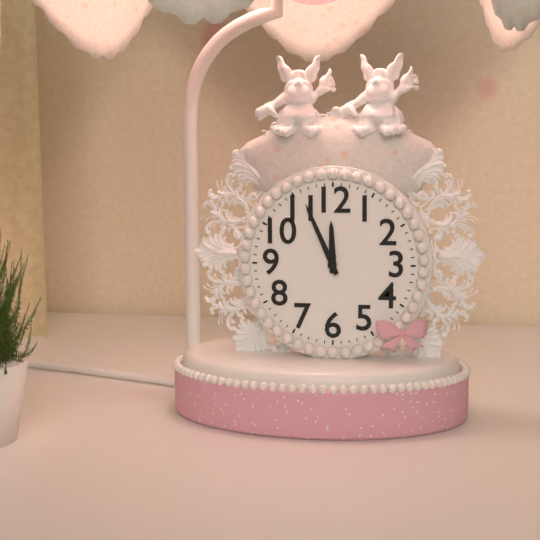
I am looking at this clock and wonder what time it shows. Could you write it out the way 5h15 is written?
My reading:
11h56
